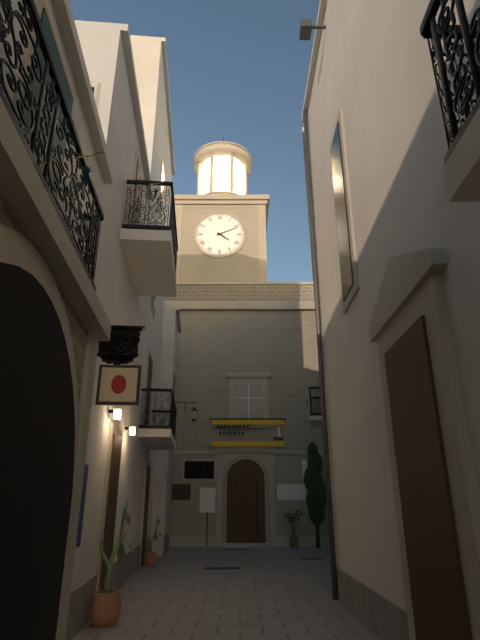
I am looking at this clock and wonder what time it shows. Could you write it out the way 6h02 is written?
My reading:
4h11
